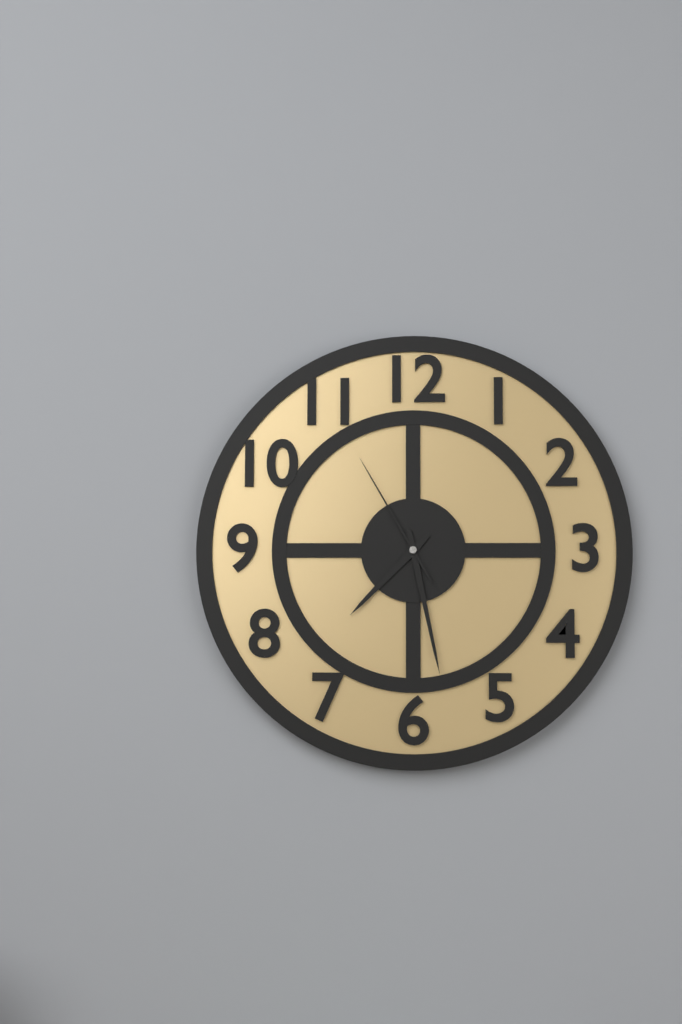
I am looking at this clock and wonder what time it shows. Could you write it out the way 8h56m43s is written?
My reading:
7h28m55s
